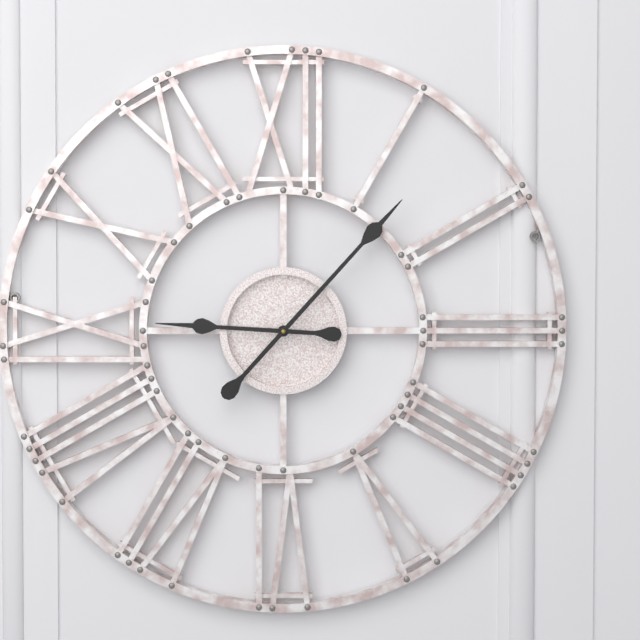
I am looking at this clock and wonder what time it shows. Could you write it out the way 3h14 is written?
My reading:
9h07
